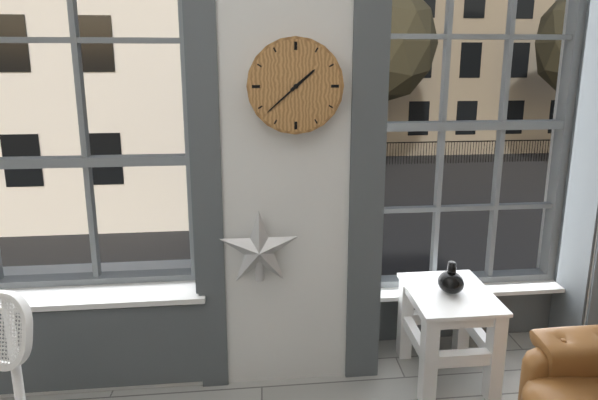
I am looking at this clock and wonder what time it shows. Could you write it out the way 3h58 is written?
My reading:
1h38
